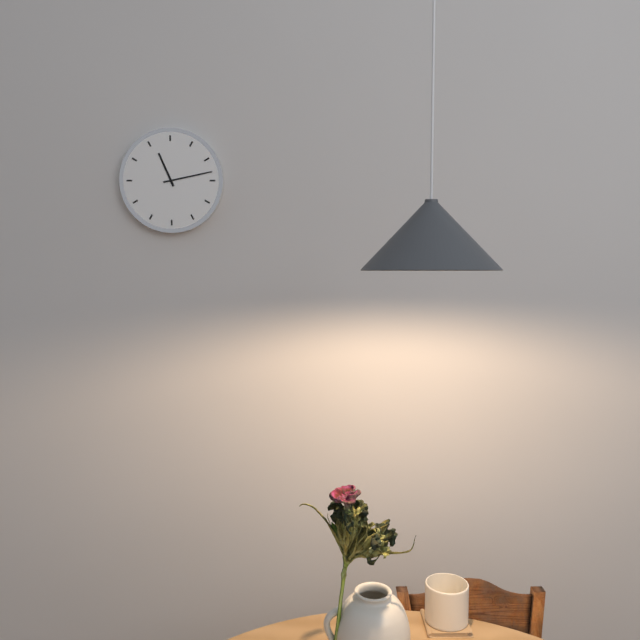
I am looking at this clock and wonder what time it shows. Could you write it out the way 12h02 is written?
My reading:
11h13
